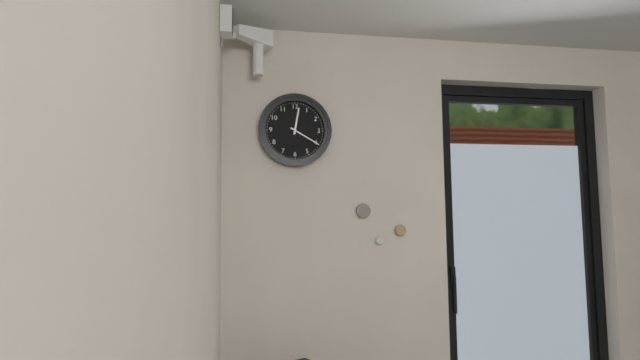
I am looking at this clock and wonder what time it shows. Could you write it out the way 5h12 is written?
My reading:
12h20
